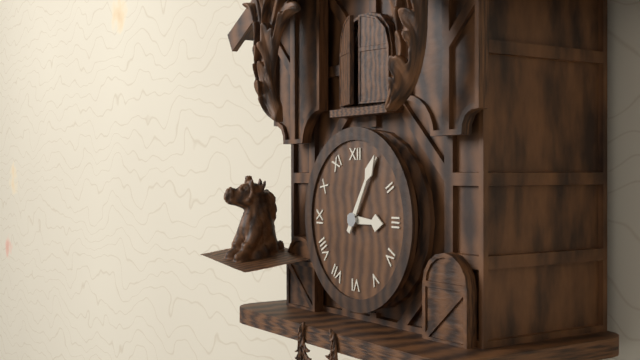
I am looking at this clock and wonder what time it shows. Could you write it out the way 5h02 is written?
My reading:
3h05
